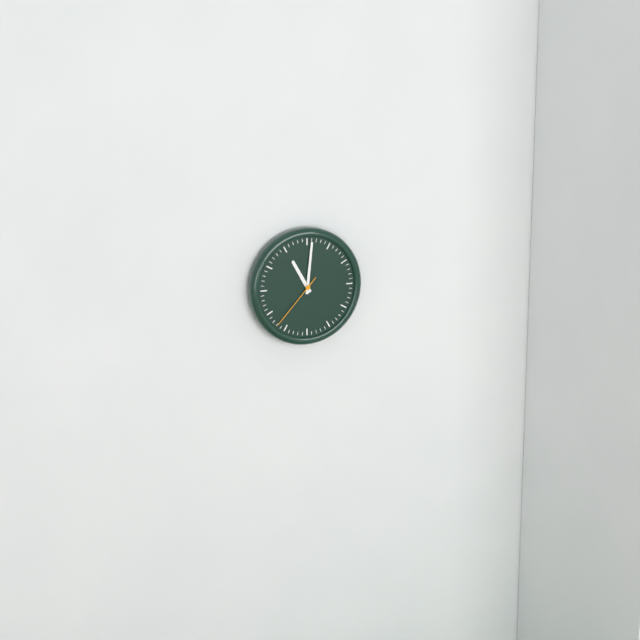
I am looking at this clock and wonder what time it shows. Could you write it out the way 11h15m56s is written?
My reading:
11h01m37s
